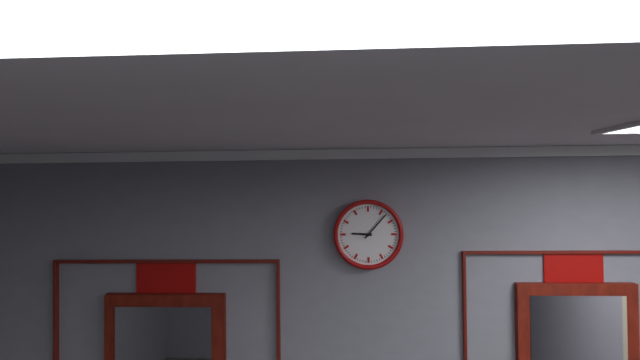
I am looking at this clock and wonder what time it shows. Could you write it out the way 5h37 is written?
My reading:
9h07
